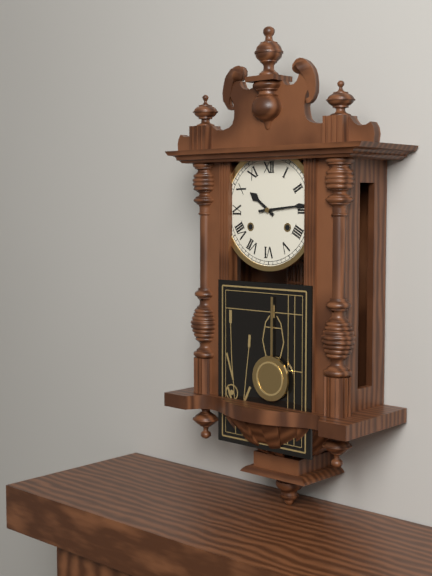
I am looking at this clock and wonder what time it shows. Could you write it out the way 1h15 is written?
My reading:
10h14
